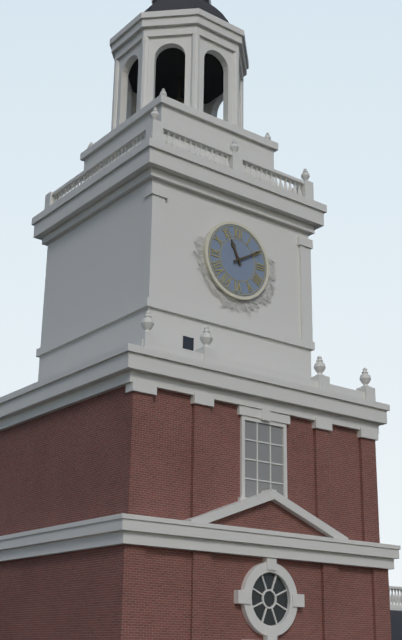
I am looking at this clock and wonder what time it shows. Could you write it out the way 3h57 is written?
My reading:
11h10
